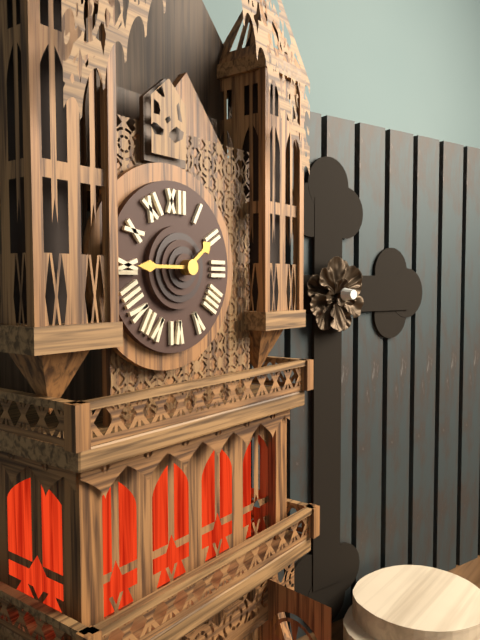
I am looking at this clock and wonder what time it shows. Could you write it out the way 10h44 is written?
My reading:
1h45
